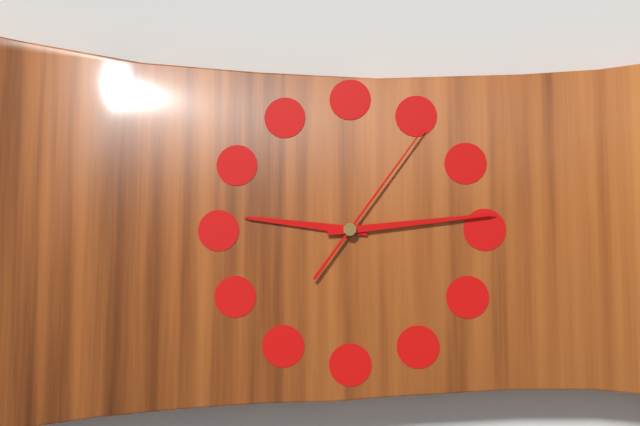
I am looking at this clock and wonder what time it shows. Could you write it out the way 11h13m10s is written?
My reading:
9h14m06s
